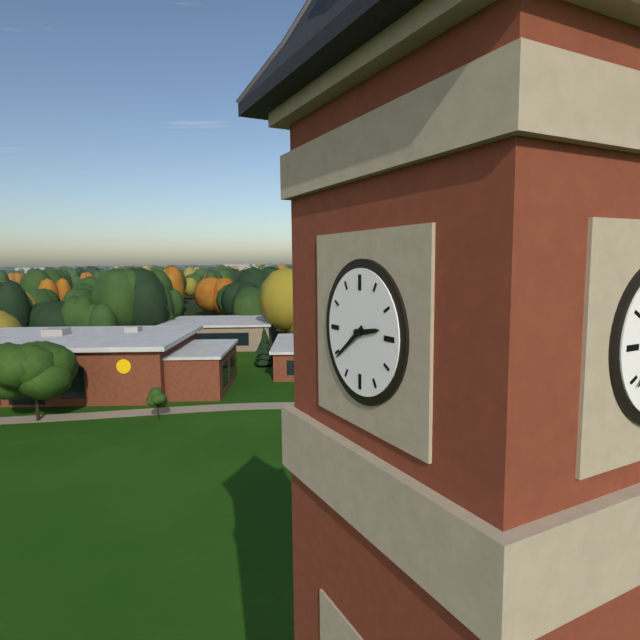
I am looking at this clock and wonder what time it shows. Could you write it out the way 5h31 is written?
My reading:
2h39
